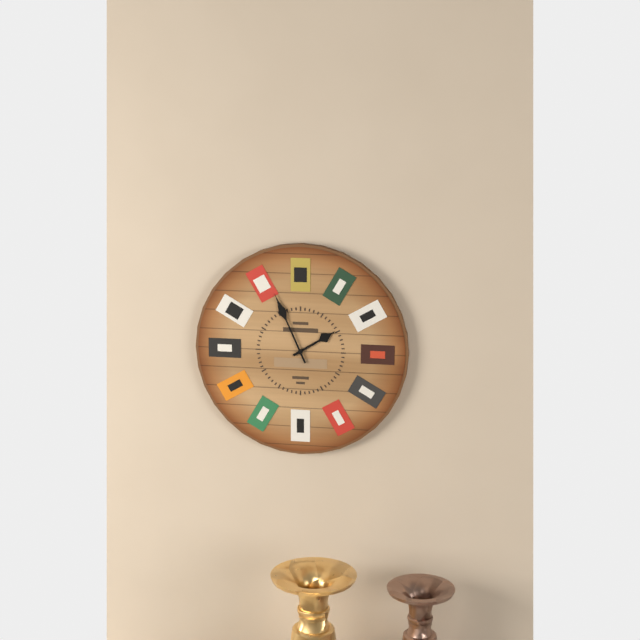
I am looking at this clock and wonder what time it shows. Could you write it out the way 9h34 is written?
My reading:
1h56
